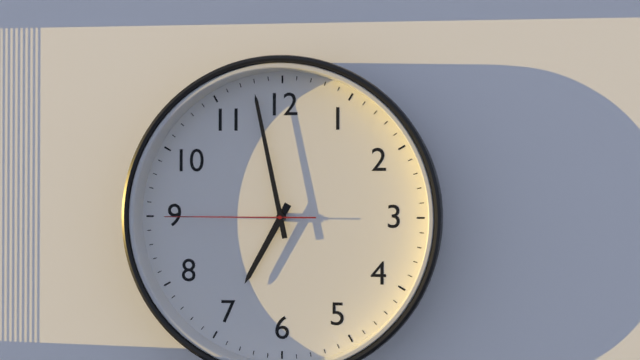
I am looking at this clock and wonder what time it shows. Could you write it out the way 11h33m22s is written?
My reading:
6h58m45s
